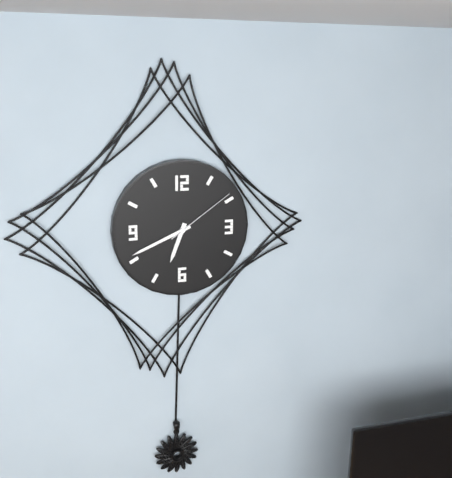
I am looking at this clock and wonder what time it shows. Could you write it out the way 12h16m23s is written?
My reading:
6h41m09s
